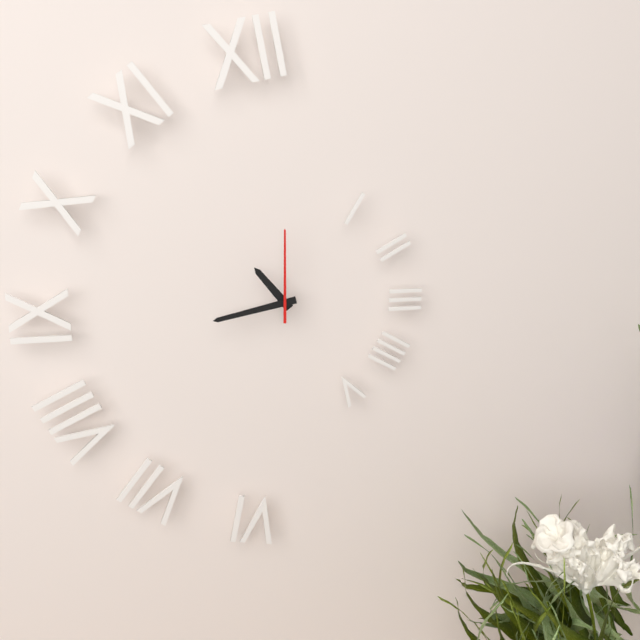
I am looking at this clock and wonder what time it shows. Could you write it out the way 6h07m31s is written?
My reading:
10h43m00s
